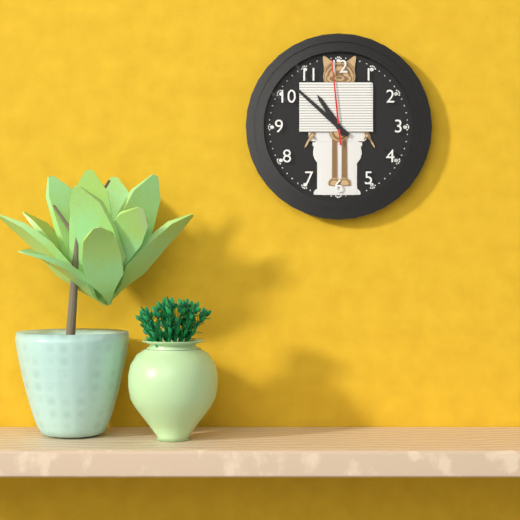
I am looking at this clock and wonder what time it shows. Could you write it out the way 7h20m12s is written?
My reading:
10h52m59s
